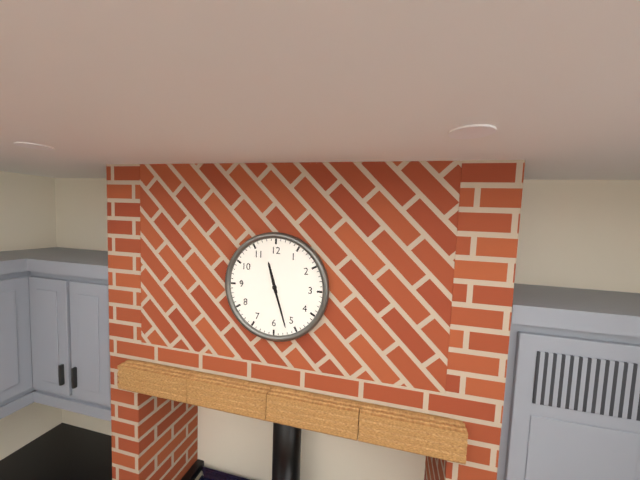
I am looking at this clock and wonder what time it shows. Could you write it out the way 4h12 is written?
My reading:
11h27
